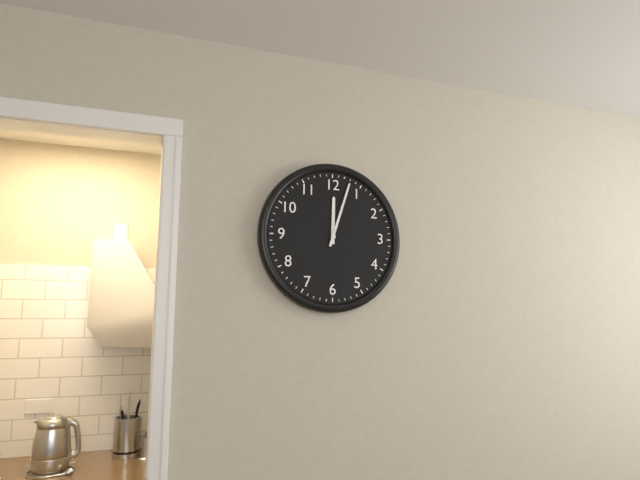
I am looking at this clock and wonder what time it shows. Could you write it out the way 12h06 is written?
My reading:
12h03
